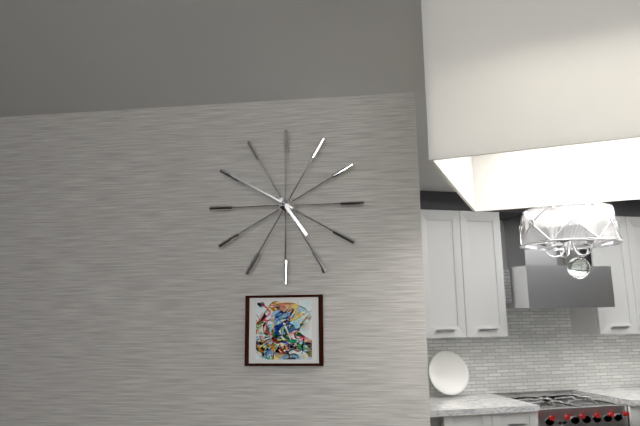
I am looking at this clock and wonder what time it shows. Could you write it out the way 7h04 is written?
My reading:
4h50
